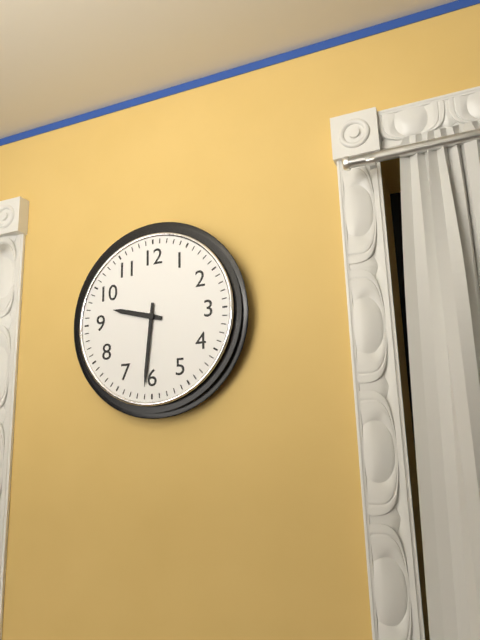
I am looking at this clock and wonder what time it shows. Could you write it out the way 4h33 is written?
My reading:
9h31
